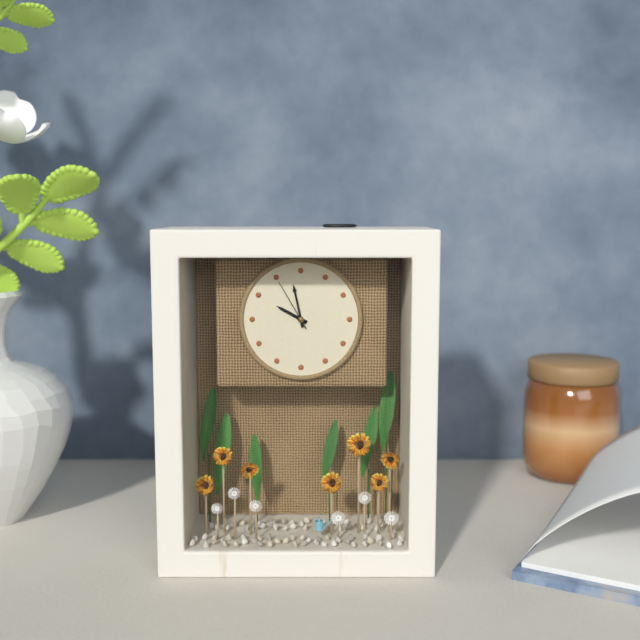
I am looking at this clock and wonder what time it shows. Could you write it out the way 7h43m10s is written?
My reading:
9h58m55s
